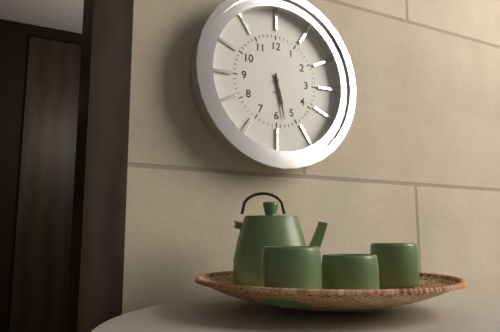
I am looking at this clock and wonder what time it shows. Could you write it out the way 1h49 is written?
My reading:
5h28
